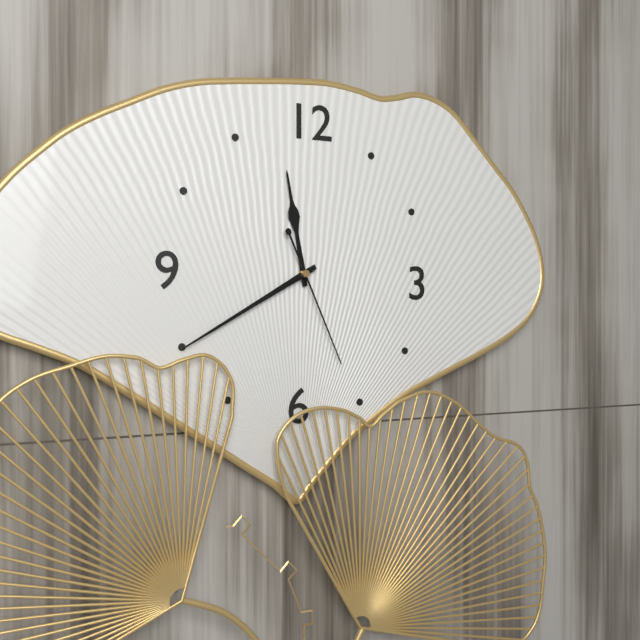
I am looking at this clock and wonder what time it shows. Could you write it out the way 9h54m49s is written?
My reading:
11h40m26s
